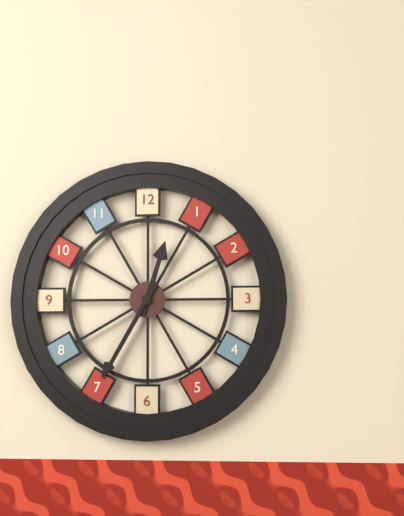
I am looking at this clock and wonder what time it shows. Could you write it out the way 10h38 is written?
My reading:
12h35
